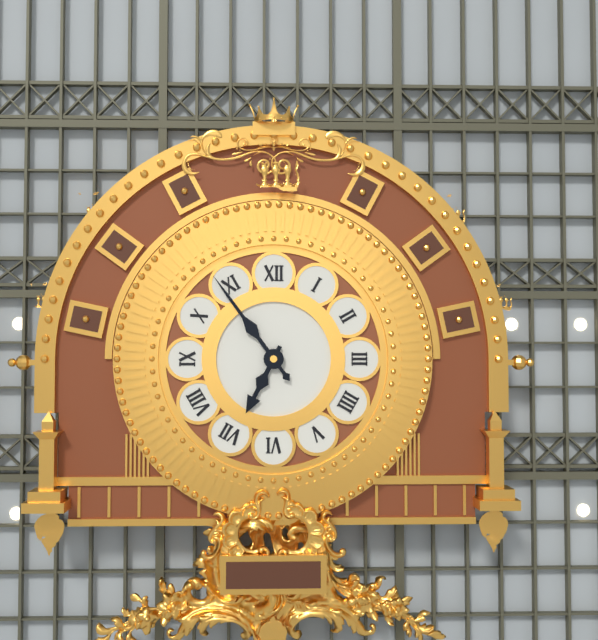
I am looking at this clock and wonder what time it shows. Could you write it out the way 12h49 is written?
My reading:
6h54
